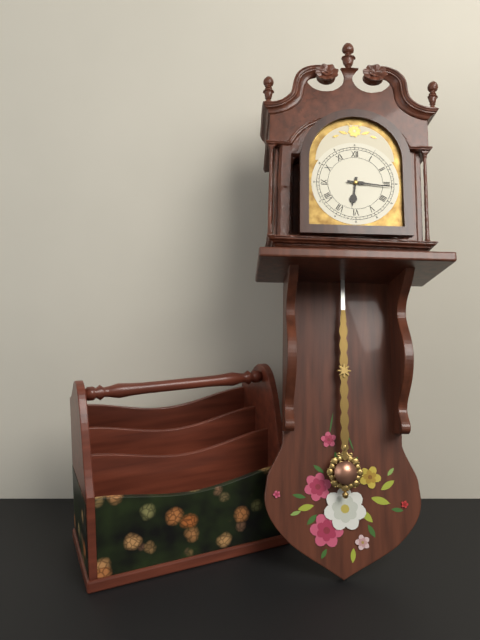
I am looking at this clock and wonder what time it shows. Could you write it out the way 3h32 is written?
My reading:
6h16
